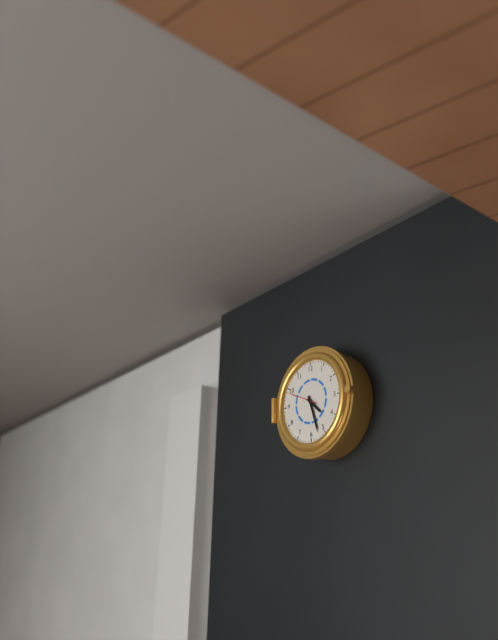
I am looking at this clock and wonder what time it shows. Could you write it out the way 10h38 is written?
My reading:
4h27
